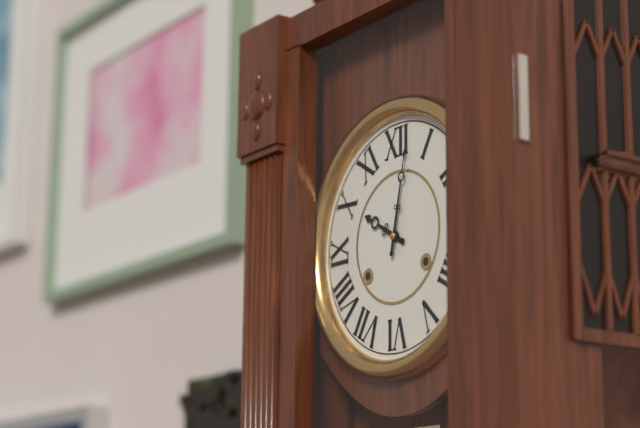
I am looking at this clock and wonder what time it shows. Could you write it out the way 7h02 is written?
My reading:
10h02
